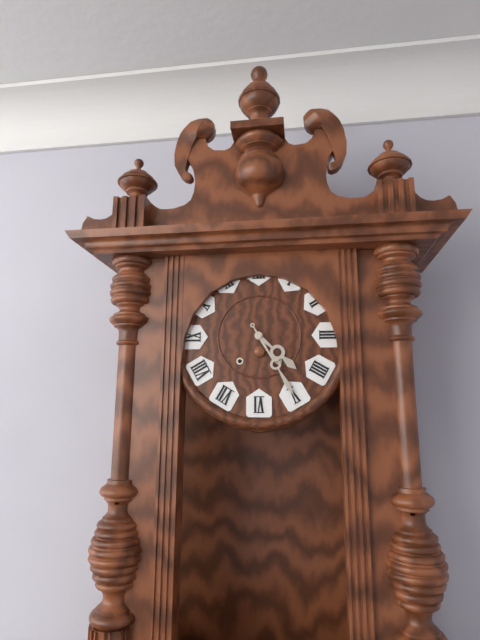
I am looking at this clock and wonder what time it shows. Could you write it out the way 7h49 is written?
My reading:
4h25
